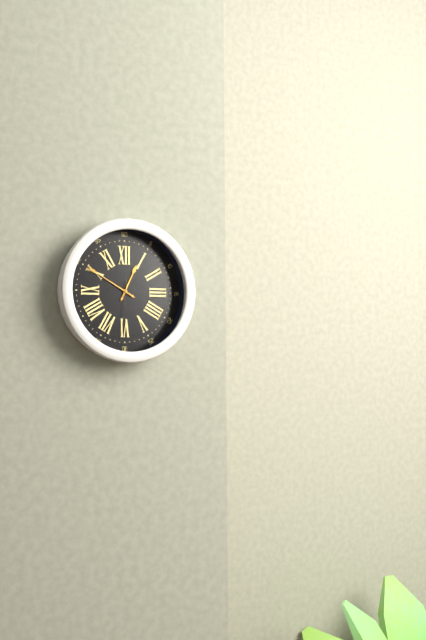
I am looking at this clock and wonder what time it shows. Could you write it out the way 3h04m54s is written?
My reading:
12h50m31s
